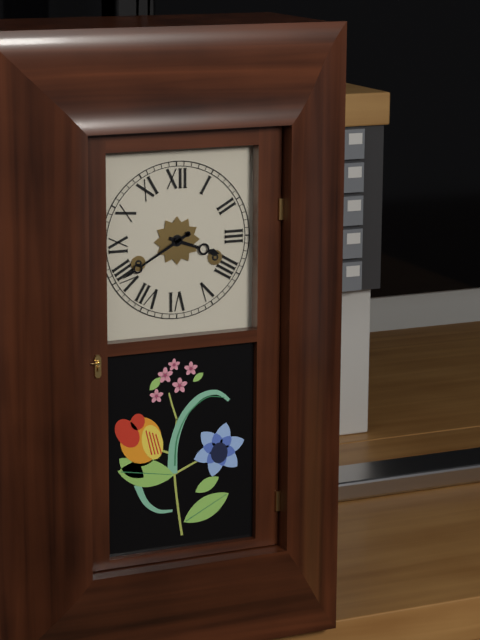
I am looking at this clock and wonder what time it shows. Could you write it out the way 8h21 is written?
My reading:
3h40
